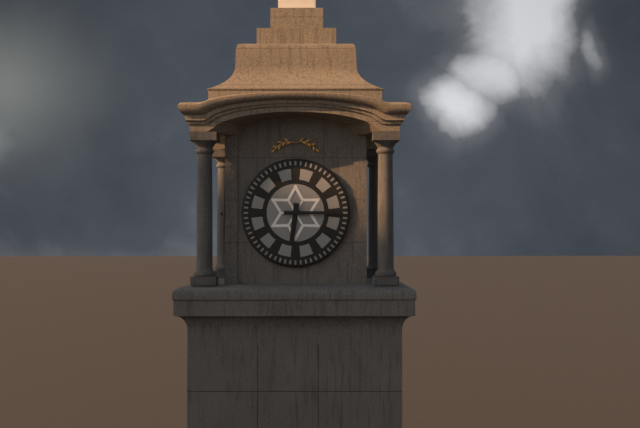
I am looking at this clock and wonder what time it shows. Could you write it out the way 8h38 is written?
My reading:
6h15
